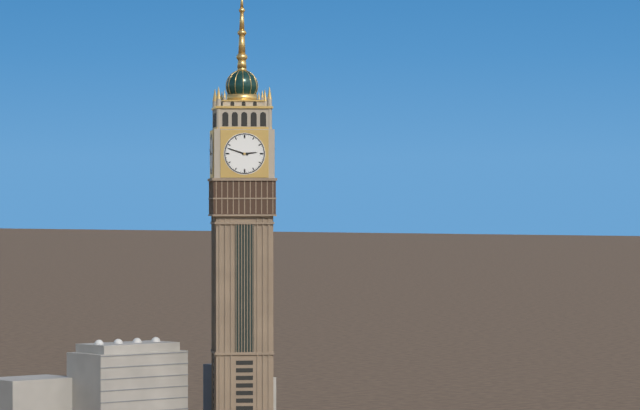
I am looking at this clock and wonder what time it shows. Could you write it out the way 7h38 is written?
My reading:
2h48
